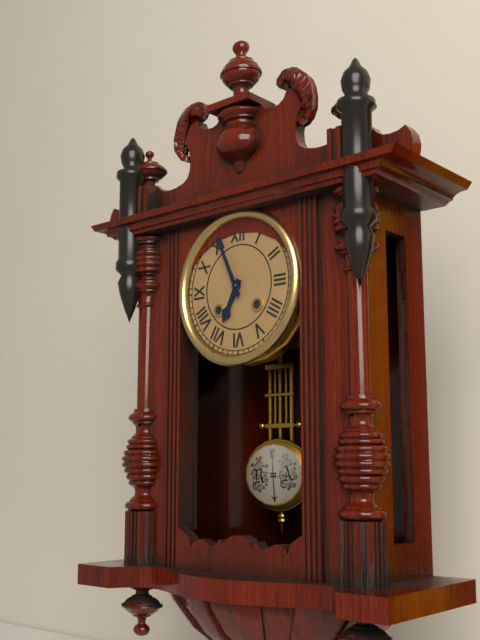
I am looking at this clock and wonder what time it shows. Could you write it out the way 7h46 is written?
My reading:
6h56
